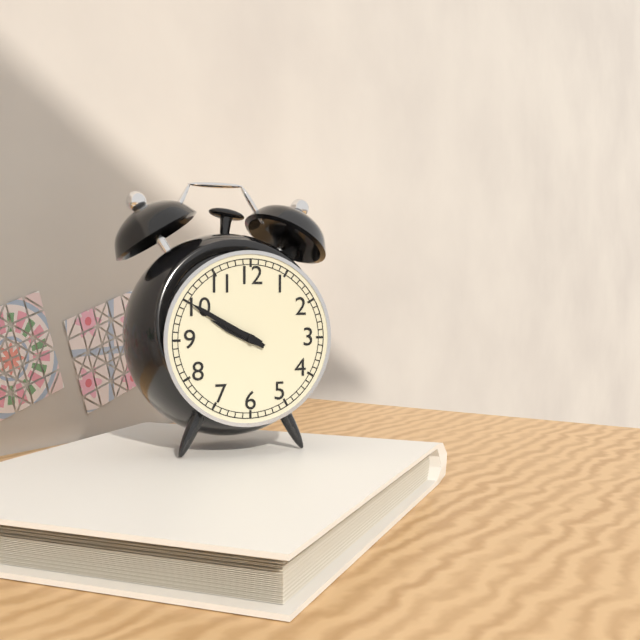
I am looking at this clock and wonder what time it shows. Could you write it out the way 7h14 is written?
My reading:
9h50
